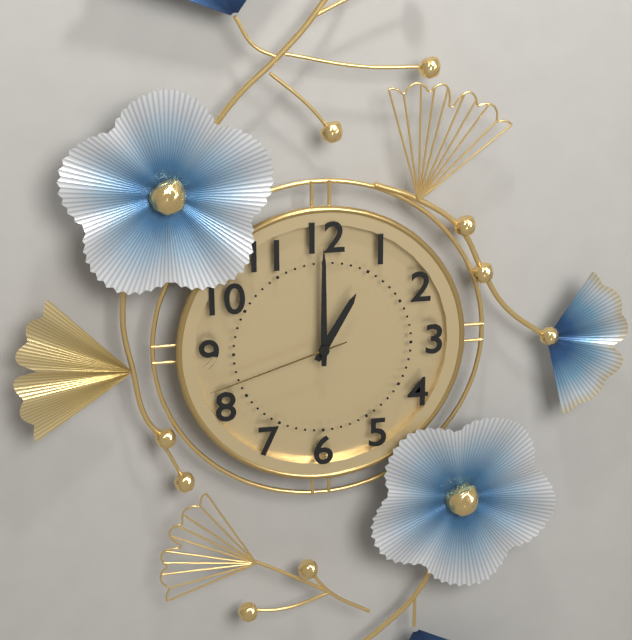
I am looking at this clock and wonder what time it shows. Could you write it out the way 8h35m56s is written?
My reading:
1h00m42s
